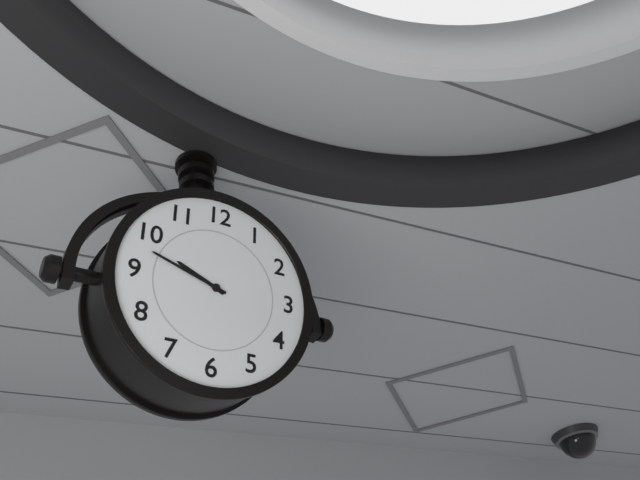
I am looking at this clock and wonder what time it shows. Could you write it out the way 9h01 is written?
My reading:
9h48
